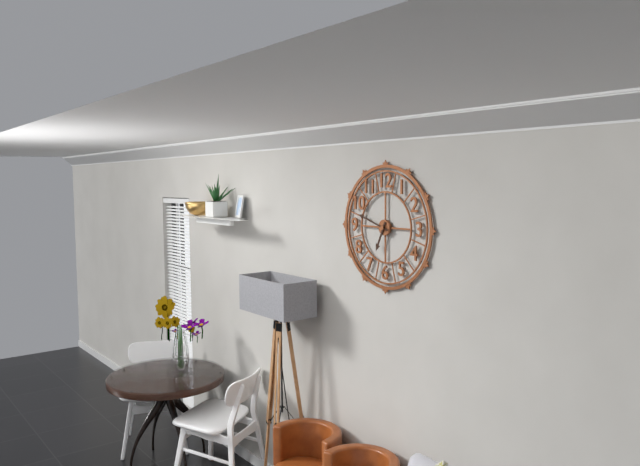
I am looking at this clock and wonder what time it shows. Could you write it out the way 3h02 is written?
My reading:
6h48
